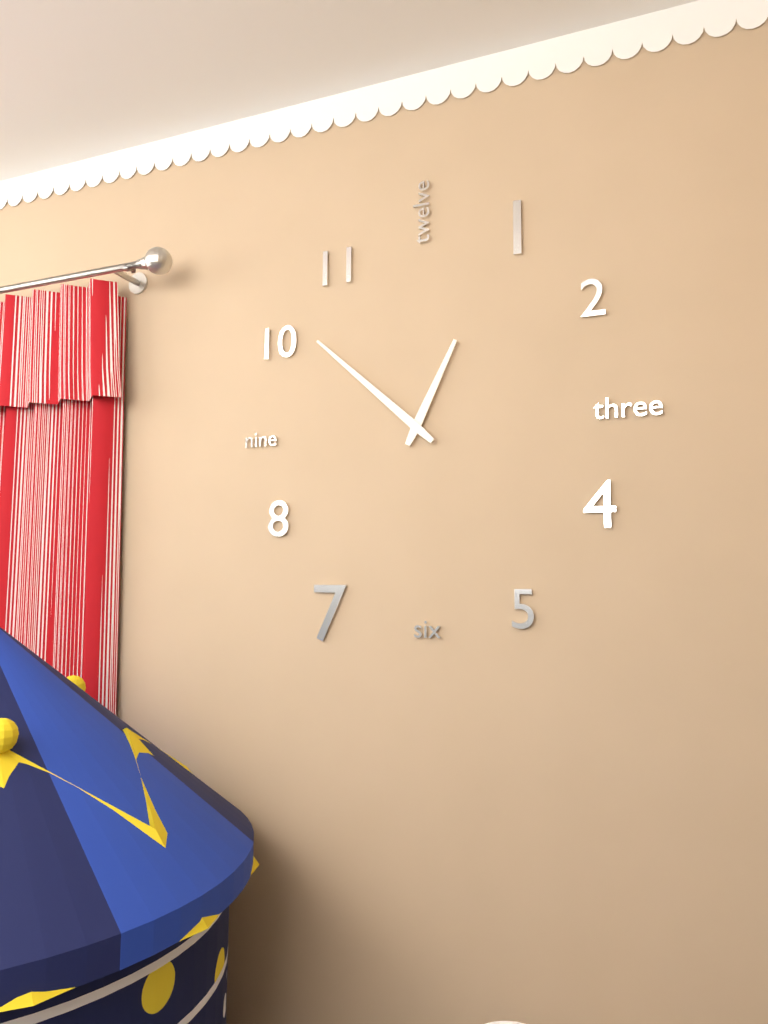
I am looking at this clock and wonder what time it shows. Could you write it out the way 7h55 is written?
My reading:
12h52
